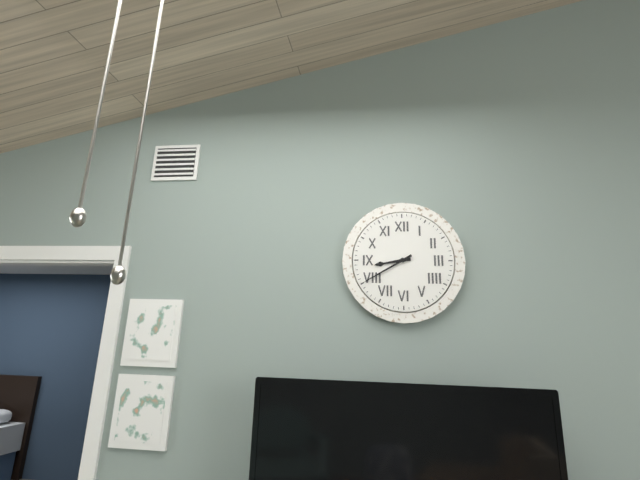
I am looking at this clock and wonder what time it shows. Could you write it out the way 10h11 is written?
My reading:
8h40
